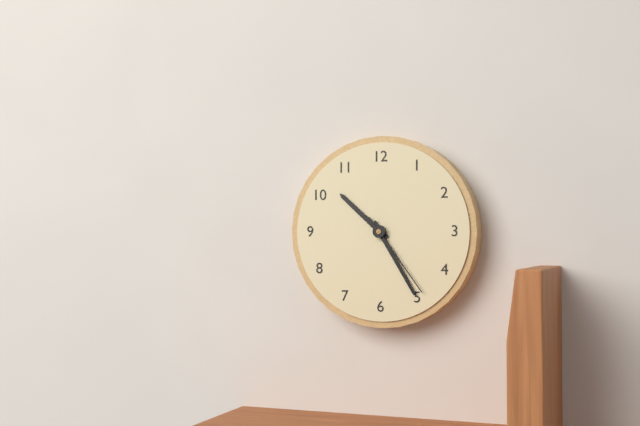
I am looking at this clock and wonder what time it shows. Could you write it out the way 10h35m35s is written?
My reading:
10h25m24s
